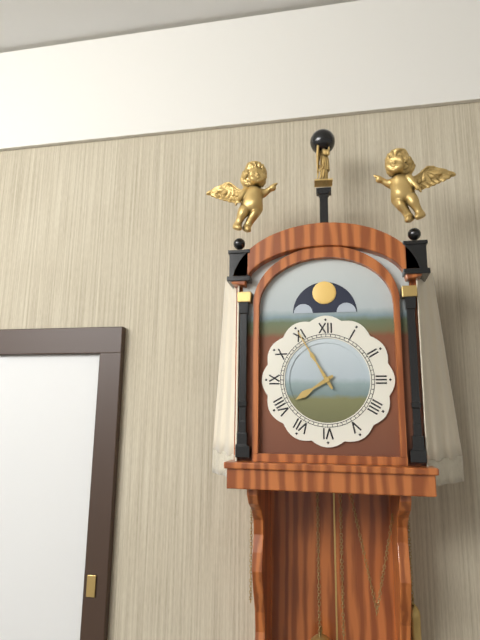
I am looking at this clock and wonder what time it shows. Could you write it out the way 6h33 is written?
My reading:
7h55
